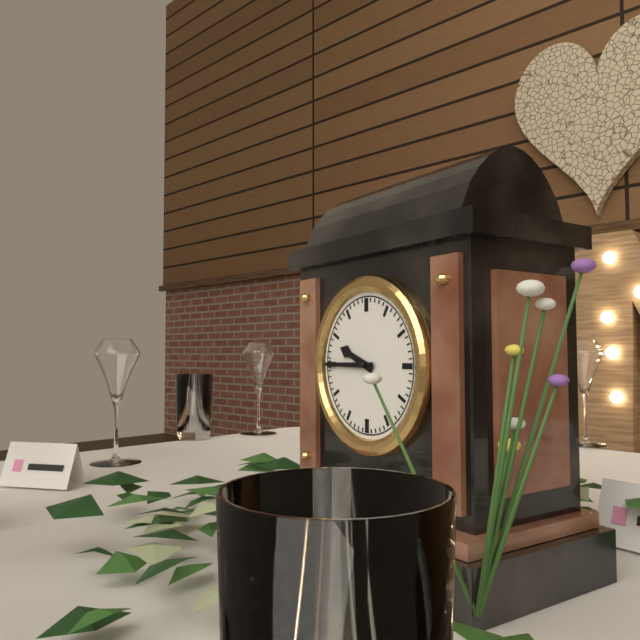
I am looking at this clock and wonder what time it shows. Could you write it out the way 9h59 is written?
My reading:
9h45
